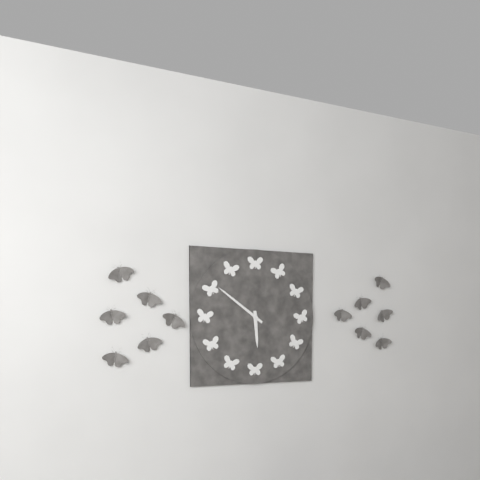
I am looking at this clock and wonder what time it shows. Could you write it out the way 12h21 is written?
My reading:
5h51
